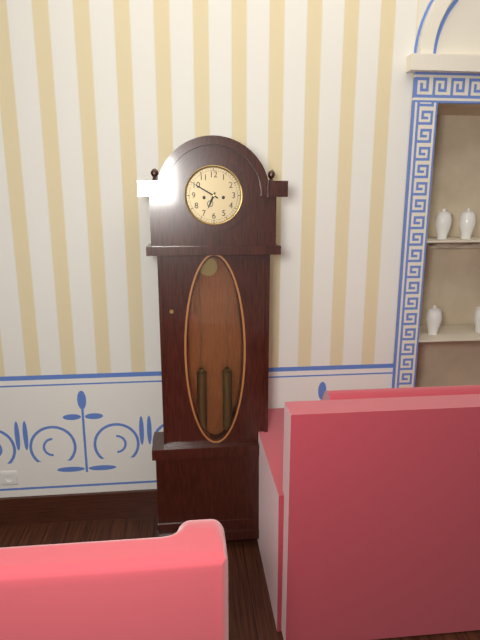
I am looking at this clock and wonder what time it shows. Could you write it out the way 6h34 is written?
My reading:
6h50
